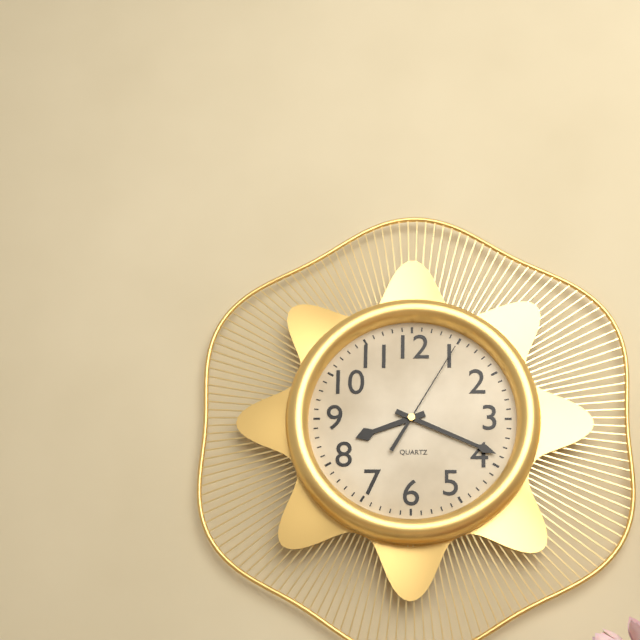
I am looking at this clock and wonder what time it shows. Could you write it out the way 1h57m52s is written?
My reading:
8h19m05s
